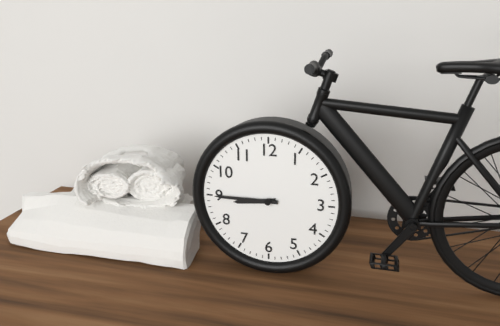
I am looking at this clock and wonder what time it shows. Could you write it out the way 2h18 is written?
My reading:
8h45
